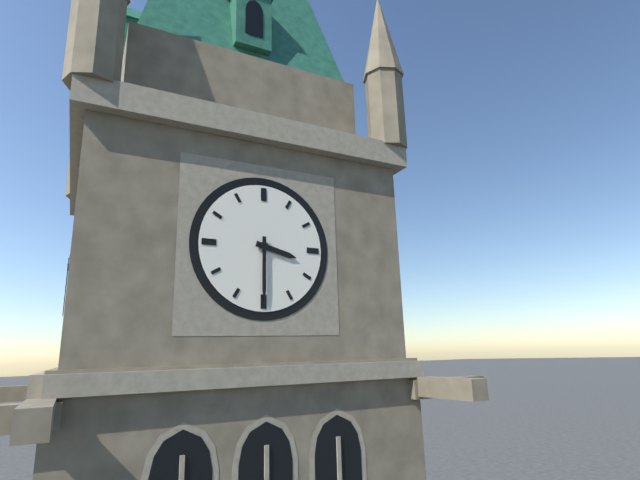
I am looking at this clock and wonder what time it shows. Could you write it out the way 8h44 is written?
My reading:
3h30
